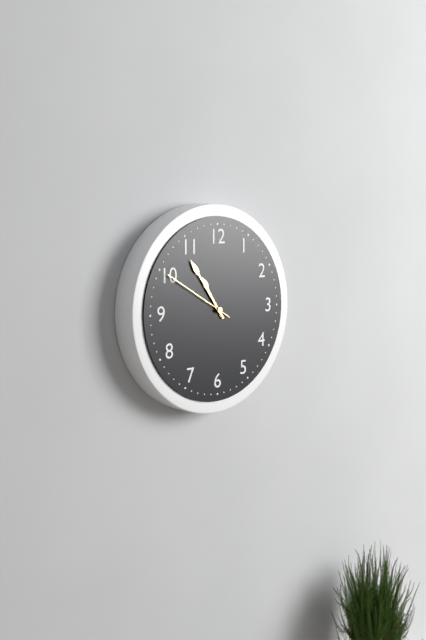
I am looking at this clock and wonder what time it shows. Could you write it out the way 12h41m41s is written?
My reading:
10h54m50s
